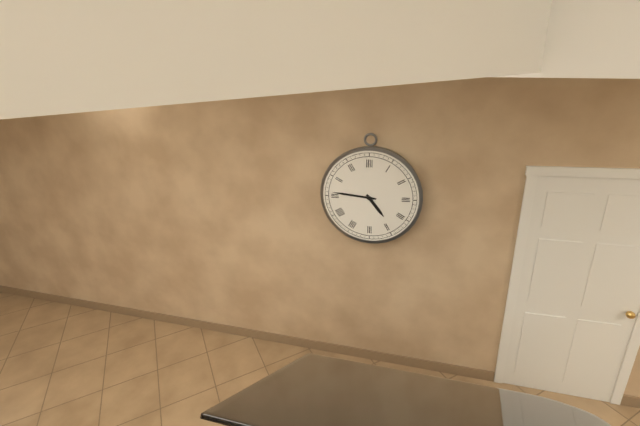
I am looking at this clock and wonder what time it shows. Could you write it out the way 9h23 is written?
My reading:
4h46
